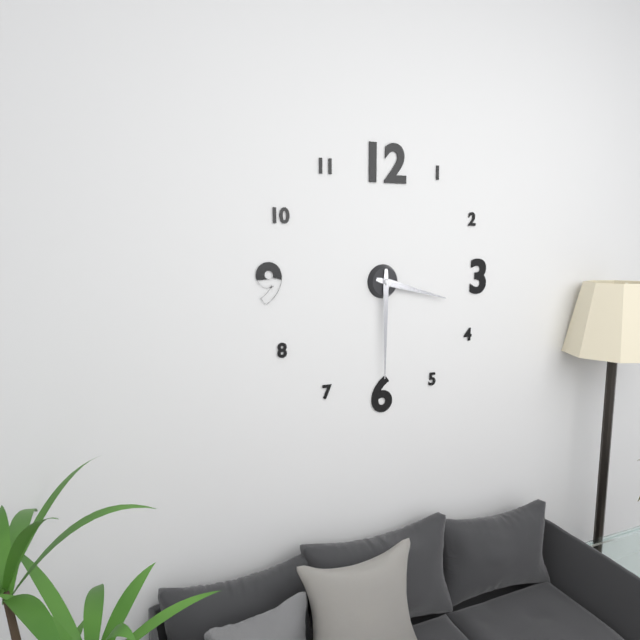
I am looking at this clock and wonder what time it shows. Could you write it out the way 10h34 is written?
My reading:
3h30
